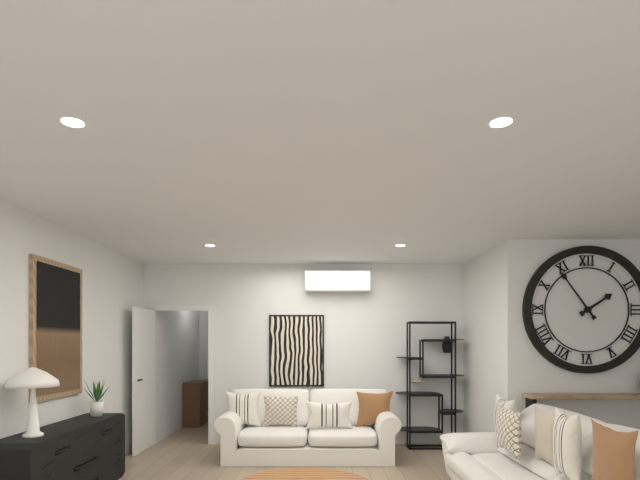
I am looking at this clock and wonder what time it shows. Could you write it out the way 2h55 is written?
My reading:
1h54
